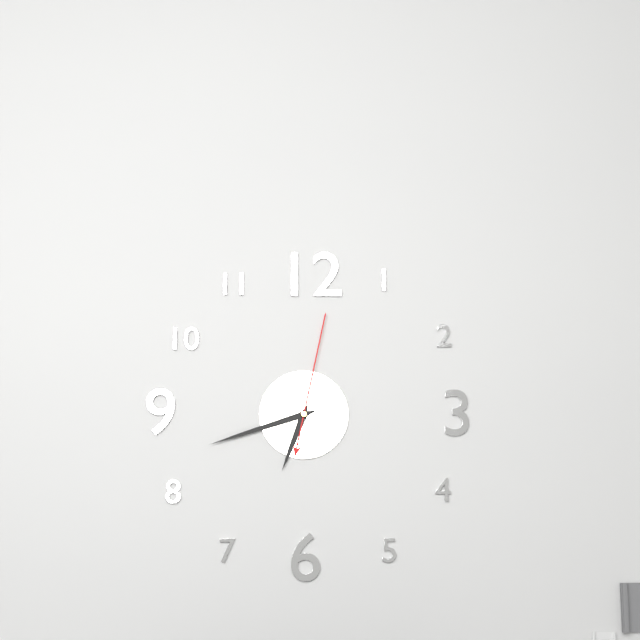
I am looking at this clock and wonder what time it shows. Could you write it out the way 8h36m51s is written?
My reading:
6h42m02s
